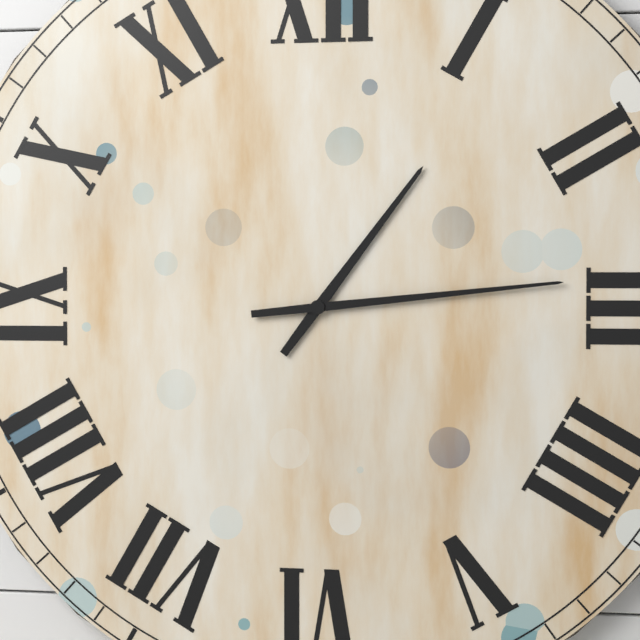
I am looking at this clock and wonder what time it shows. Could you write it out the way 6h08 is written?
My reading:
1h14
